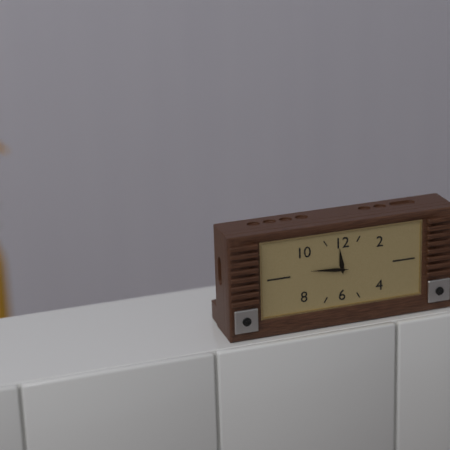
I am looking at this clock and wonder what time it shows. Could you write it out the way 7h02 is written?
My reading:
11h46
